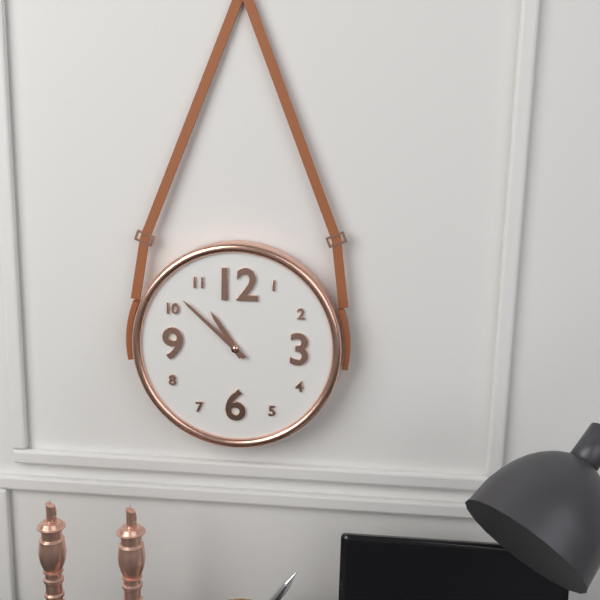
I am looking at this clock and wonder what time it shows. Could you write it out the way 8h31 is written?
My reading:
10h52
